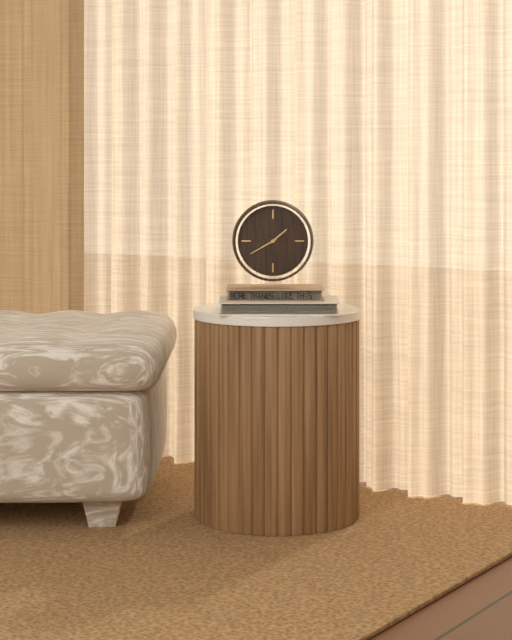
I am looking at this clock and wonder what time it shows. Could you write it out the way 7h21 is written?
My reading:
1h40
